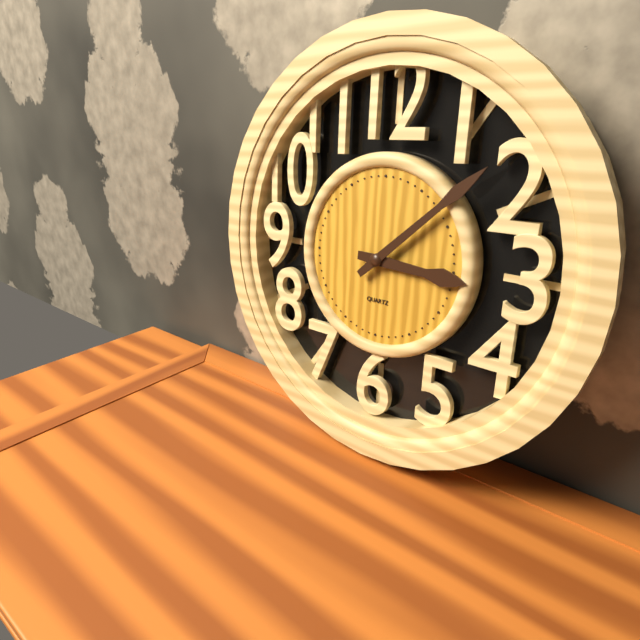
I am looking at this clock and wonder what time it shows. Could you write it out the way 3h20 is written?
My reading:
3h08
